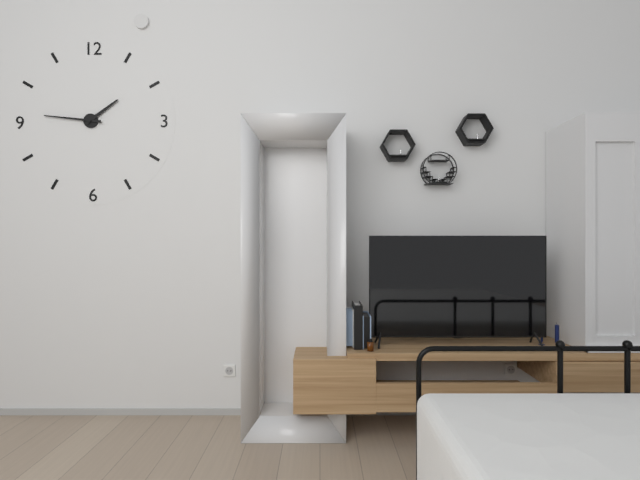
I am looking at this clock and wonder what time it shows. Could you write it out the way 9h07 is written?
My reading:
1h46
